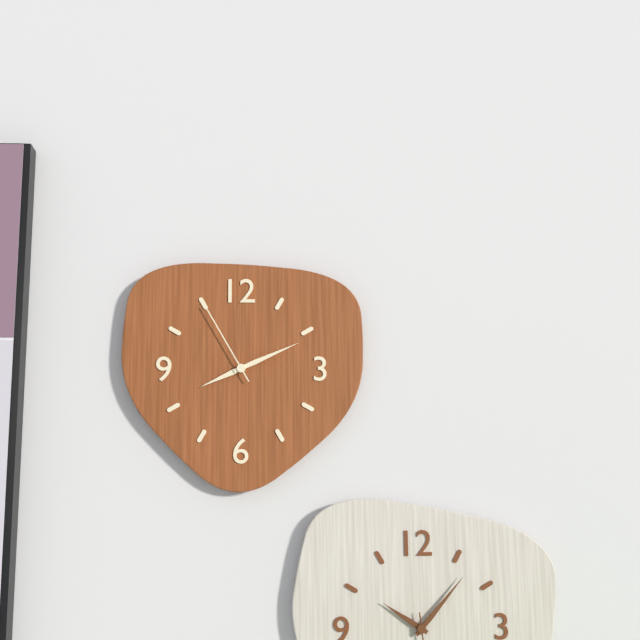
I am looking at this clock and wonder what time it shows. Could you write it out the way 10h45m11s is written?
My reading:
8h11m55s
